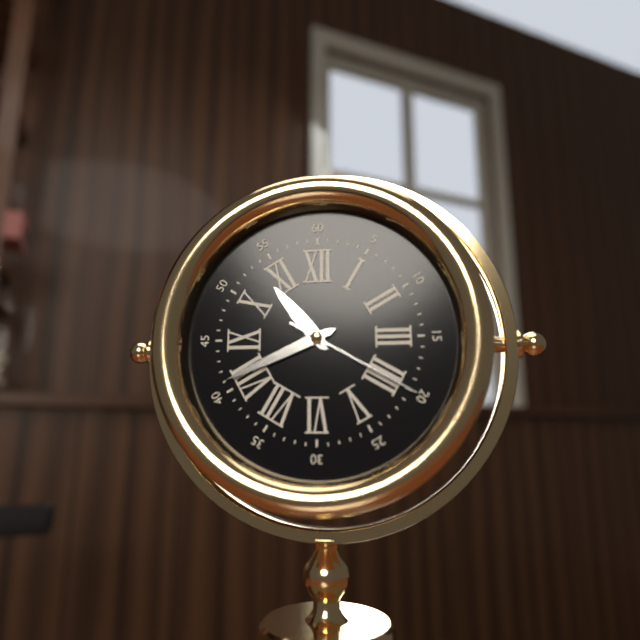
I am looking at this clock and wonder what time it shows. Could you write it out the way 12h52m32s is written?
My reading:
10h41m20s
